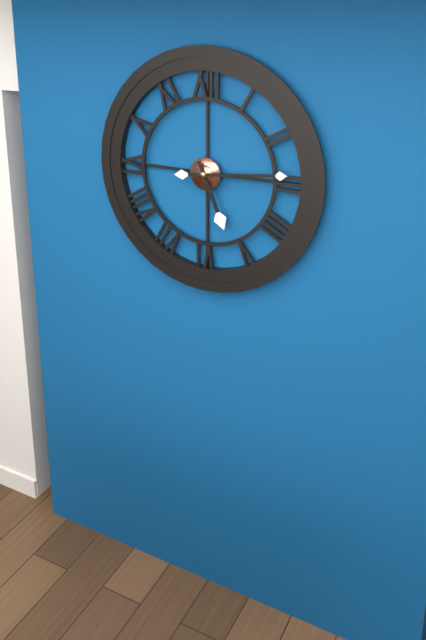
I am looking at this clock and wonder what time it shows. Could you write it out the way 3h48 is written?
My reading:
5h14
